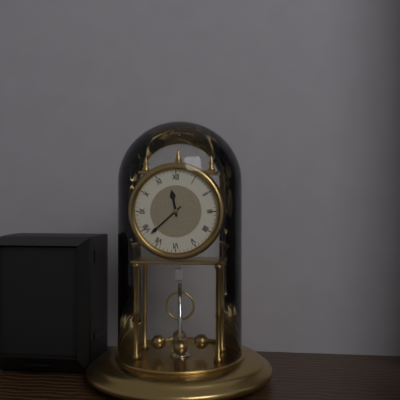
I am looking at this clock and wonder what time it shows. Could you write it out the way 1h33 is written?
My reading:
11h38
